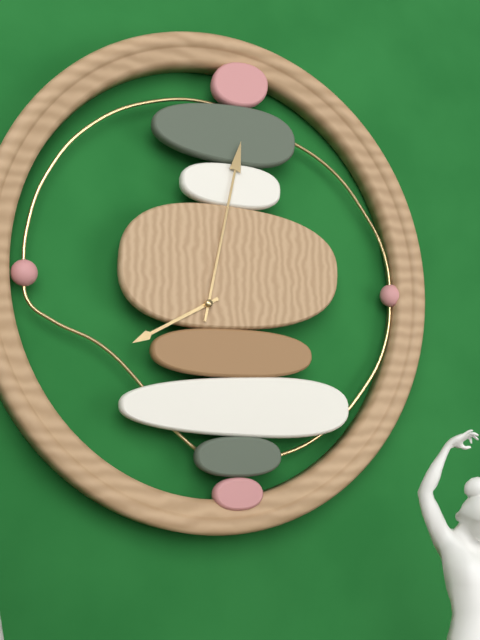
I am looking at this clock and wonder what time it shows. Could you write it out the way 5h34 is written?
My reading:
8h02
